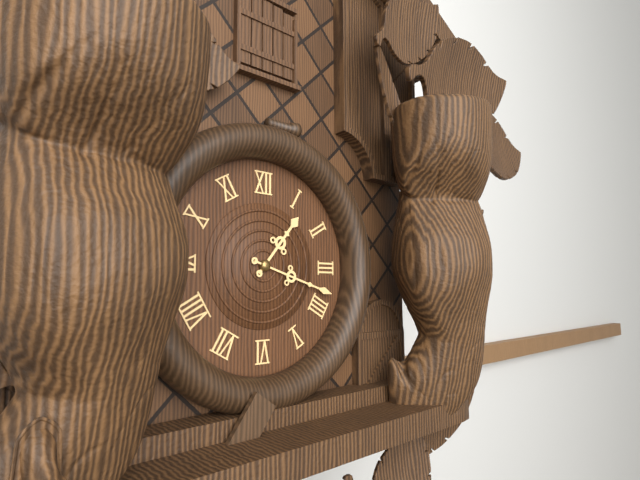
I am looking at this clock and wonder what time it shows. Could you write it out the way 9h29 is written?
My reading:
1h18
